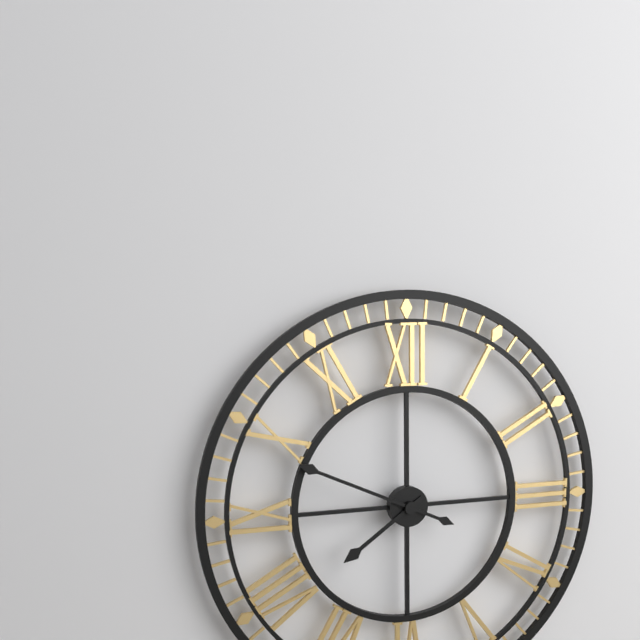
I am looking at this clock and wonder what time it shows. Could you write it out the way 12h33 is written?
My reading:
7h49
